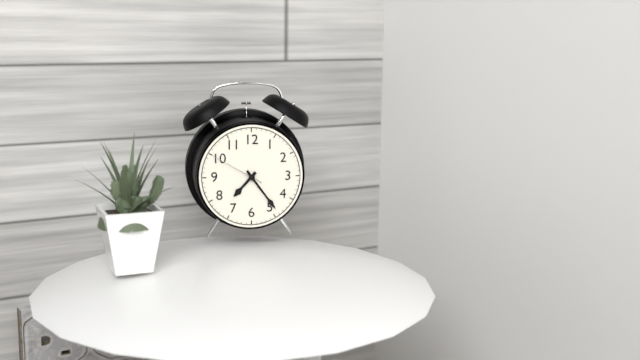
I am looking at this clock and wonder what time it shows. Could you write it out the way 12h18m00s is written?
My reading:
7h24m50s
